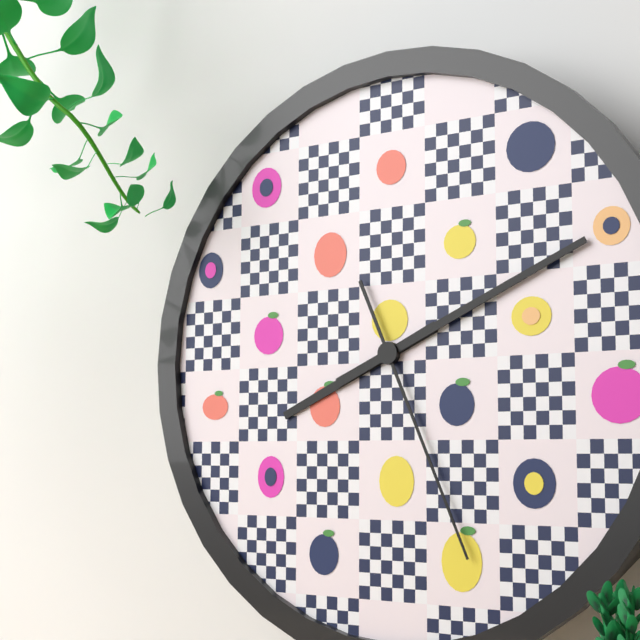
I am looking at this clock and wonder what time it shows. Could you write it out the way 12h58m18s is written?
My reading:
8h11m26s
